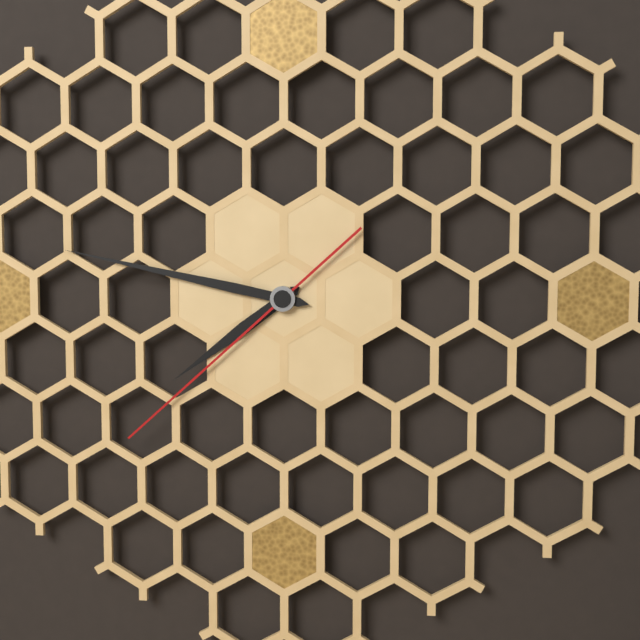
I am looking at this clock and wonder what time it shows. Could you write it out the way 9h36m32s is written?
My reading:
7h47m38s
